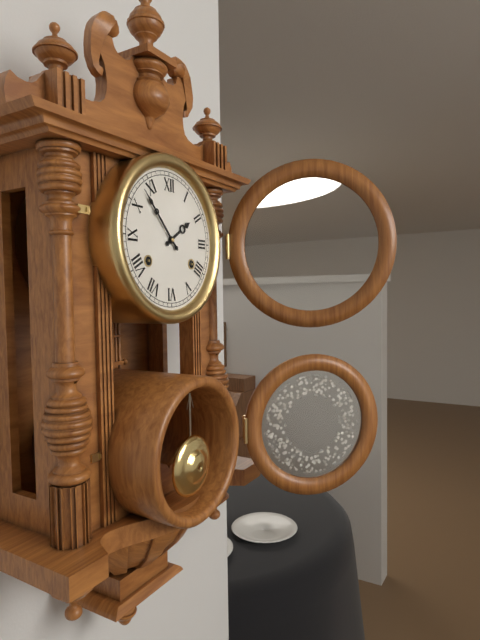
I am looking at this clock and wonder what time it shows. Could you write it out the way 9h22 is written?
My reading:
1h53
